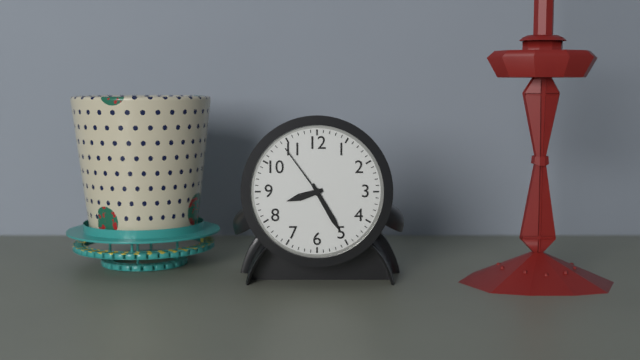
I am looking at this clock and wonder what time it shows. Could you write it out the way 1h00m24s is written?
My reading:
8h25m54s
